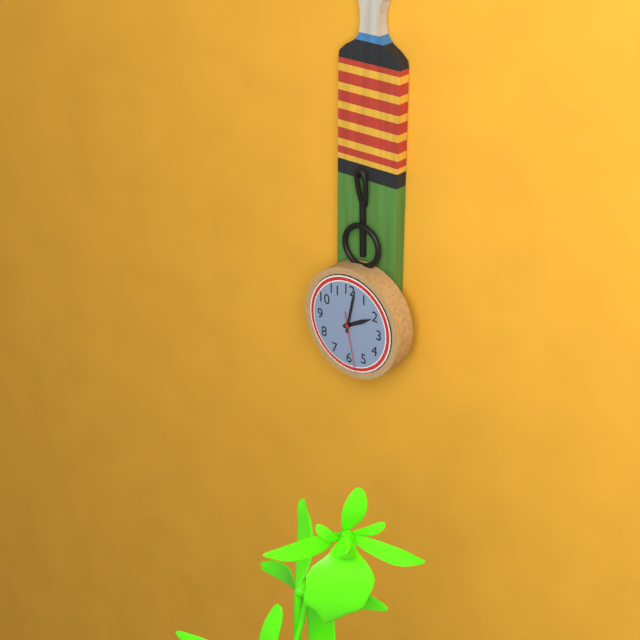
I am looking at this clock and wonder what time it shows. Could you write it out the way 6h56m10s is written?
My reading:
2h02m28s
